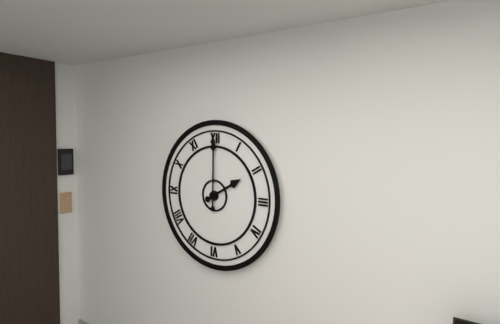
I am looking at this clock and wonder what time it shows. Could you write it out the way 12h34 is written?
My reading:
2h00
